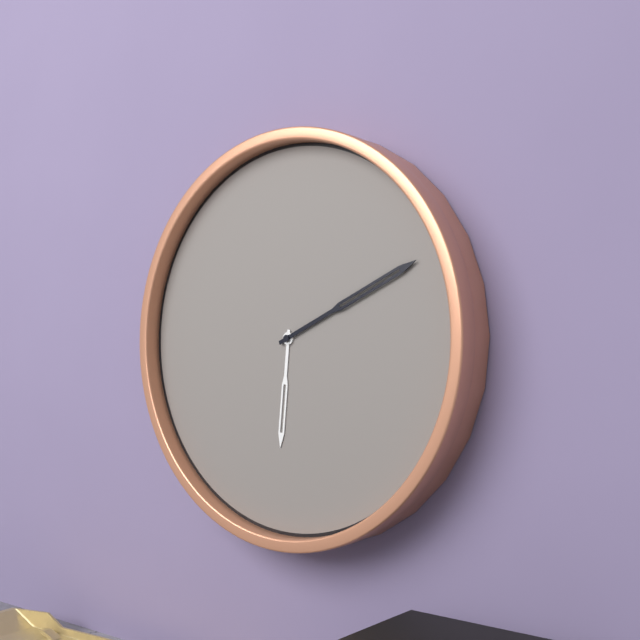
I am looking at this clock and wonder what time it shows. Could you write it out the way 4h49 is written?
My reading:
6h11
